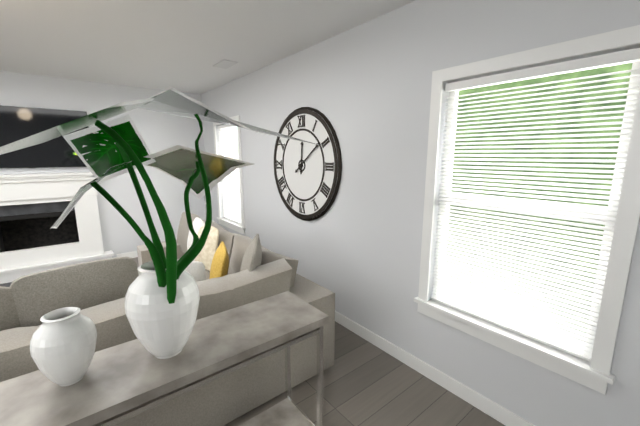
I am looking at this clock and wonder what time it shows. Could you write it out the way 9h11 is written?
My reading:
12h09
